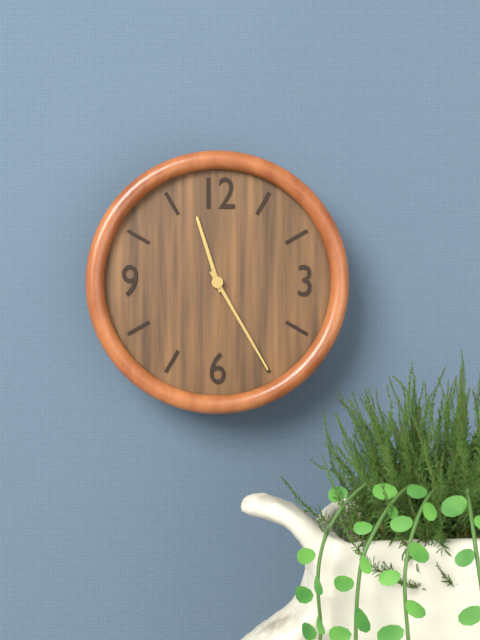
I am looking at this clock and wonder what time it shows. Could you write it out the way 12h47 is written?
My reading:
11h25
